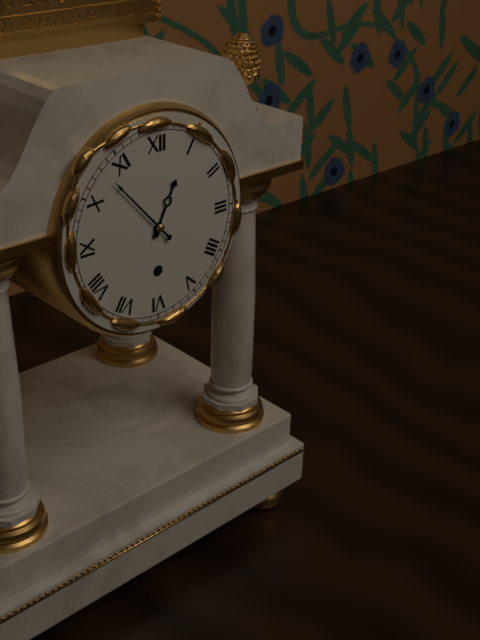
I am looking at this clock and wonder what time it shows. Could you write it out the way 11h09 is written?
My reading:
12h53
